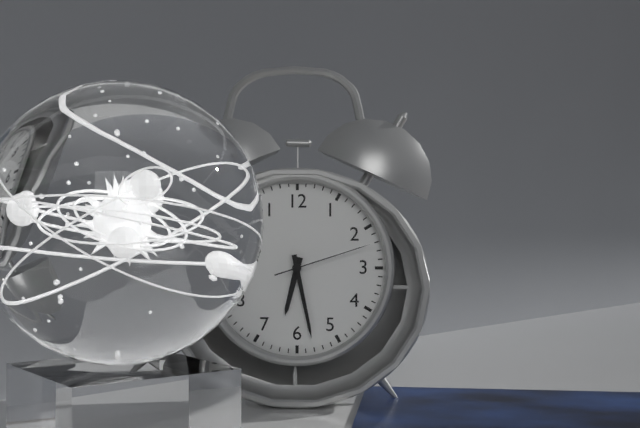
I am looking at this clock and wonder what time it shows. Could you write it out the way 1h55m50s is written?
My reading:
6h28m12s
